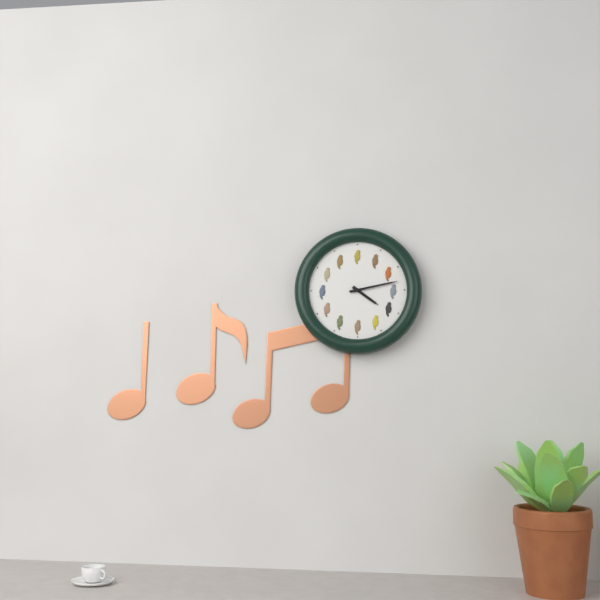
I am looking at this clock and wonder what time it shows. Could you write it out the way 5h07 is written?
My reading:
4h13
